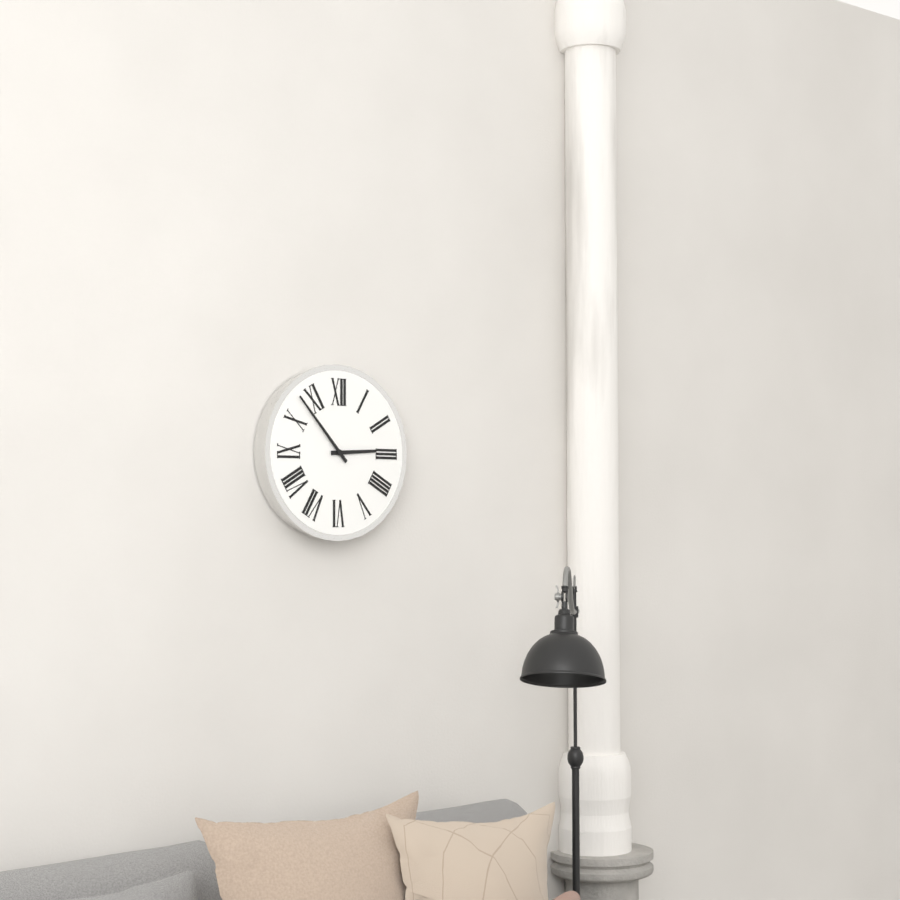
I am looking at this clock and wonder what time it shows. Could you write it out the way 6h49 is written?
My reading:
2h53
